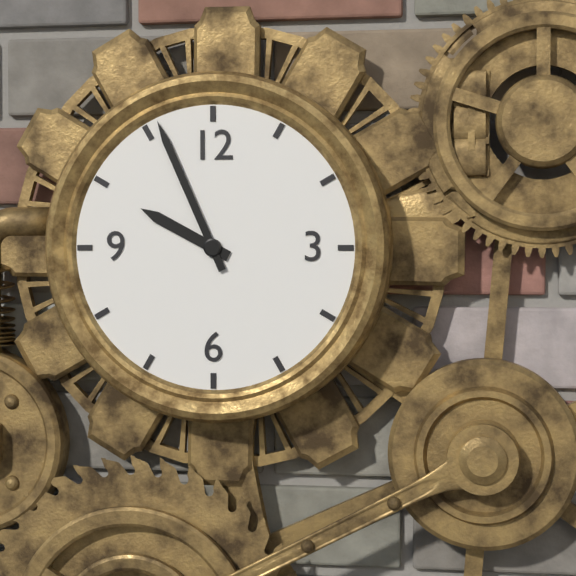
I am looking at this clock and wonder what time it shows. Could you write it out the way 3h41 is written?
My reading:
9h56
